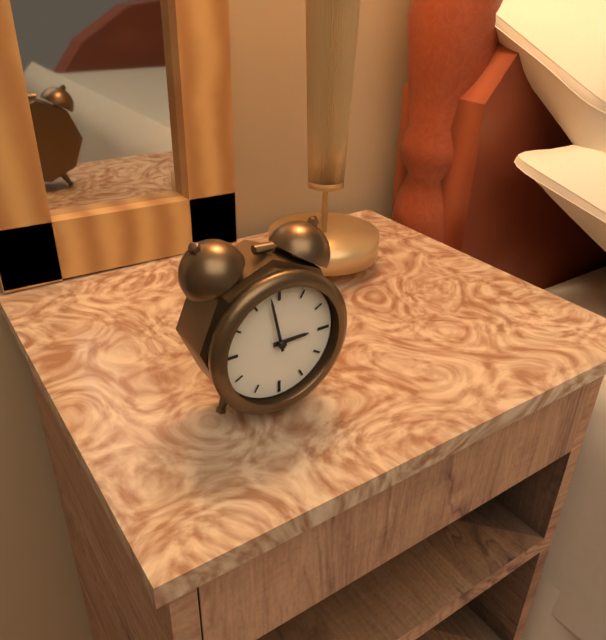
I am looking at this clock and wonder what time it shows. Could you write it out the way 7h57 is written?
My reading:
2h58
